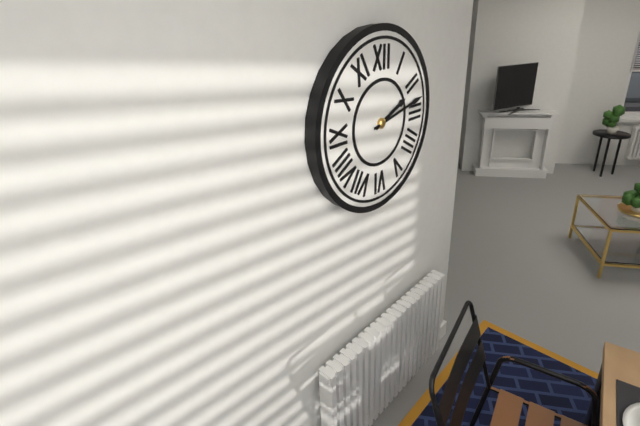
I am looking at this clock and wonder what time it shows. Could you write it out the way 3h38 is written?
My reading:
2h13
